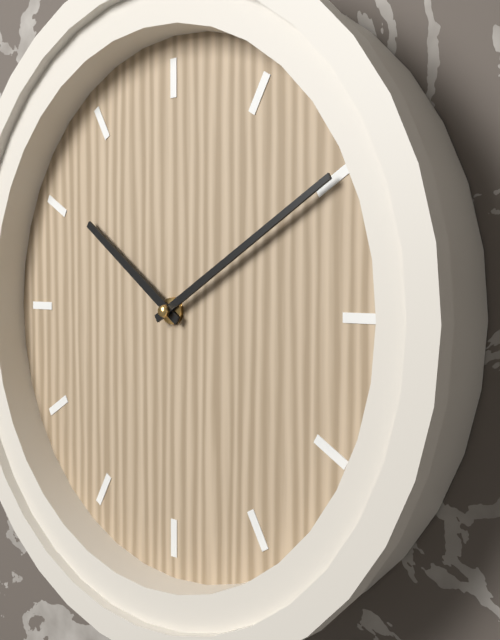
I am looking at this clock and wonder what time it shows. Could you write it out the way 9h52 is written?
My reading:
10h10
